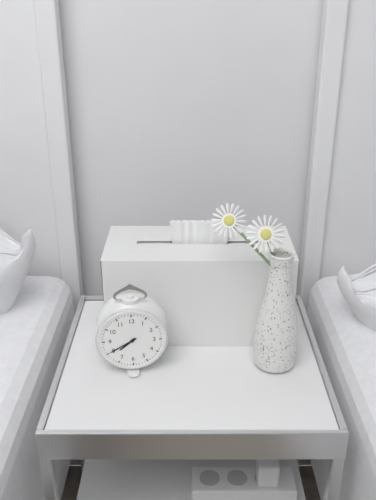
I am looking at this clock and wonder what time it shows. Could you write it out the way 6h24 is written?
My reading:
7h40
